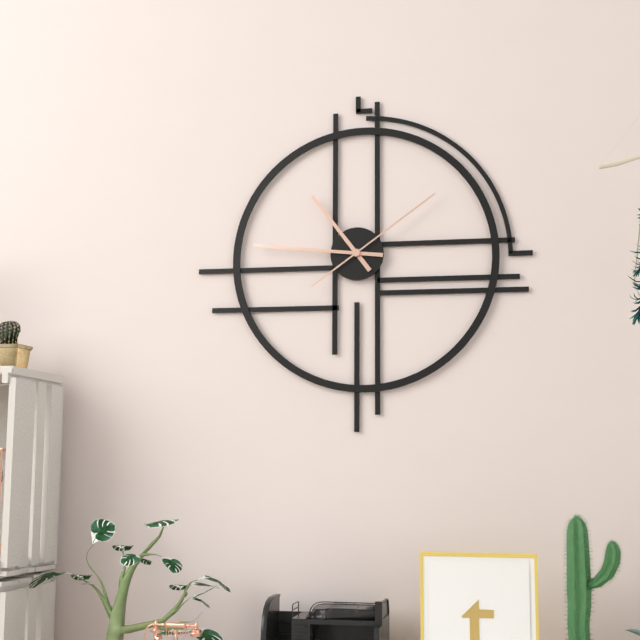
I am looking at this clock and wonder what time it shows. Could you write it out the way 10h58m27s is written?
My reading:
10h46m09s
